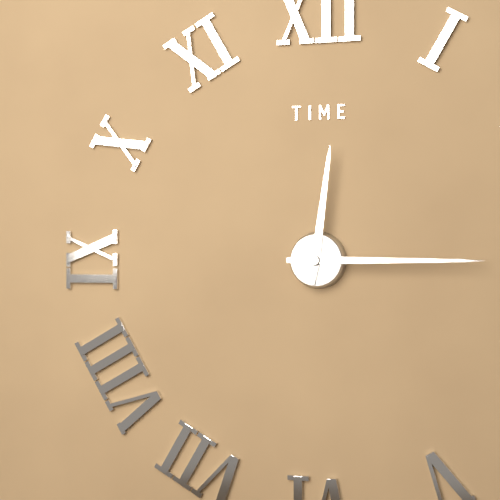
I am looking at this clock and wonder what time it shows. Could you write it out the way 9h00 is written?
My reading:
12h15
